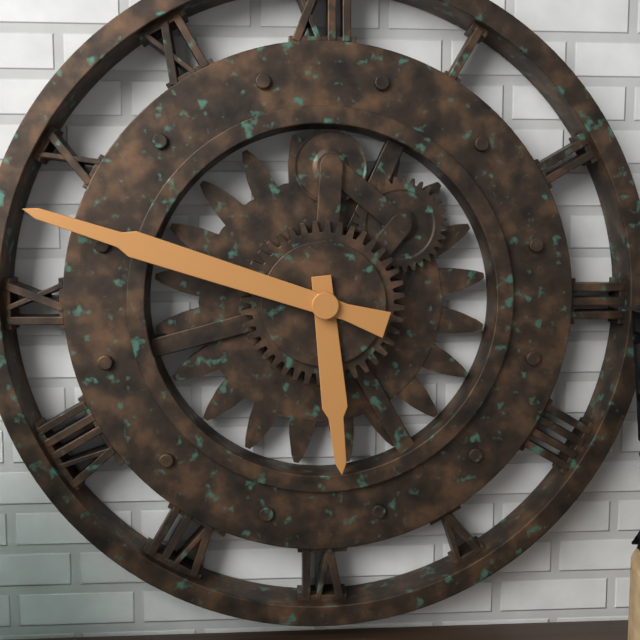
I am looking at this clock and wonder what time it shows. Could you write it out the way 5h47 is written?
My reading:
5h48
